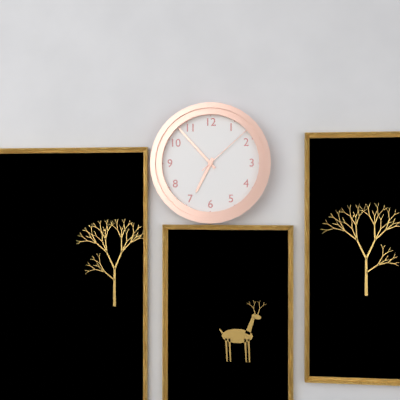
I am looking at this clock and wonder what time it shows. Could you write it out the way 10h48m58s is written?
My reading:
6h53m08s
